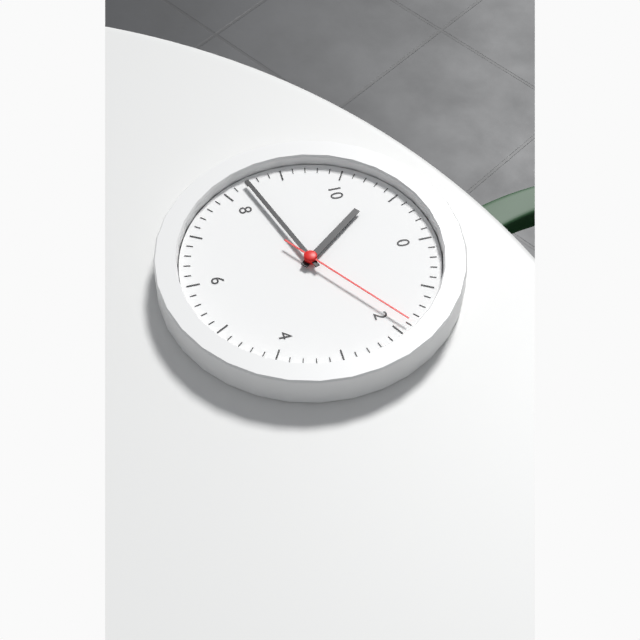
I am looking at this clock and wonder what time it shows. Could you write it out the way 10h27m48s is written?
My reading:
10h42m09s
